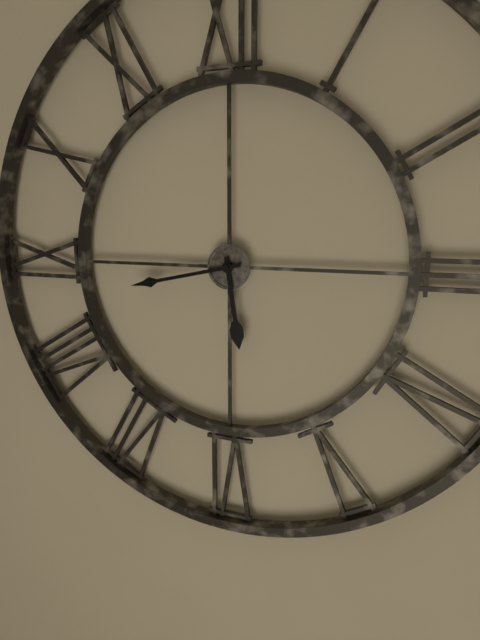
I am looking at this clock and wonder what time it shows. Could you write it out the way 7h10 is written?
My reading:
5h43
